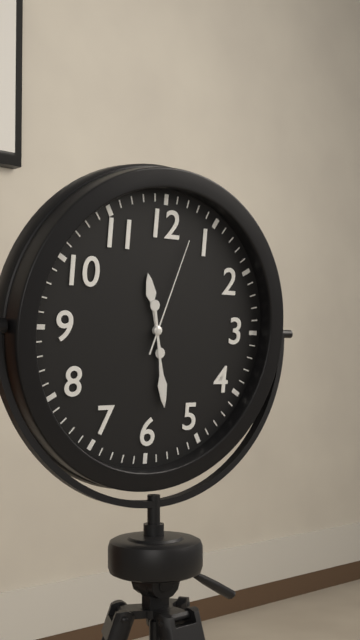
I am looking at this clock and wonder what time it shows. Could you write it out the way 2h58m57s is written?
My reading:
11h28m03s
